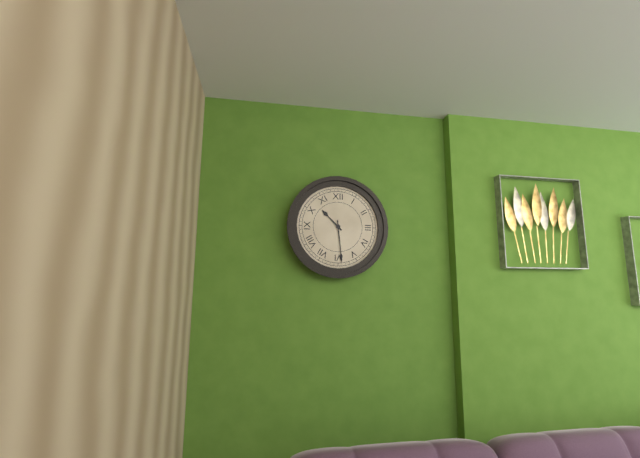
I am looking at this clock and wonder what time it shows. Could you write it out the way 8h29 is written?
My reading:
10h29
